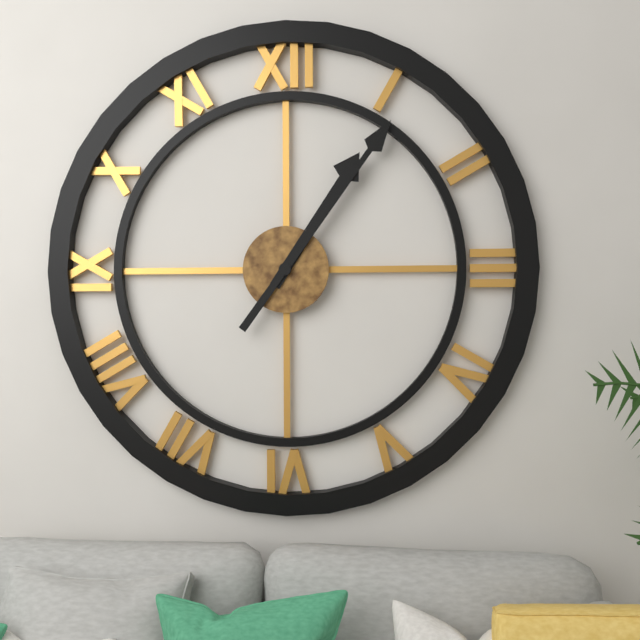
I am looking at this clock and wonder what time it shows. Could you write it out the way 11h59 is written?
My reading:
1h06
